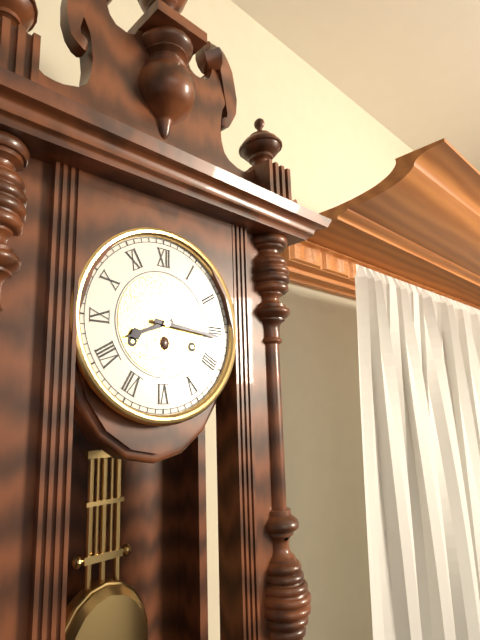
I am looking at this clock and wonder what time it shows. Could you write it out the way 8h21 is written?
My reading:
8h16
